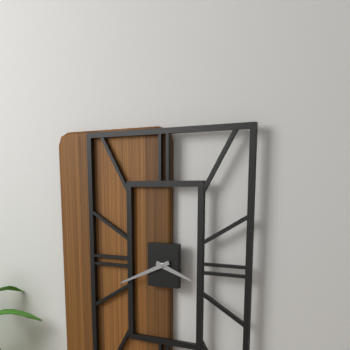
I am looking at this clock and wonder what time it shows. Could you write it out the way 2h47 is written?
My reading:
3h41
